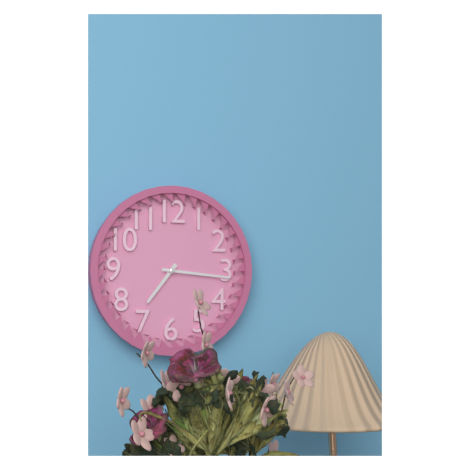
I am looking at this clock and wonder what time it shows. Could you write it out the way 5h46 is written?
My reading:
7h16
